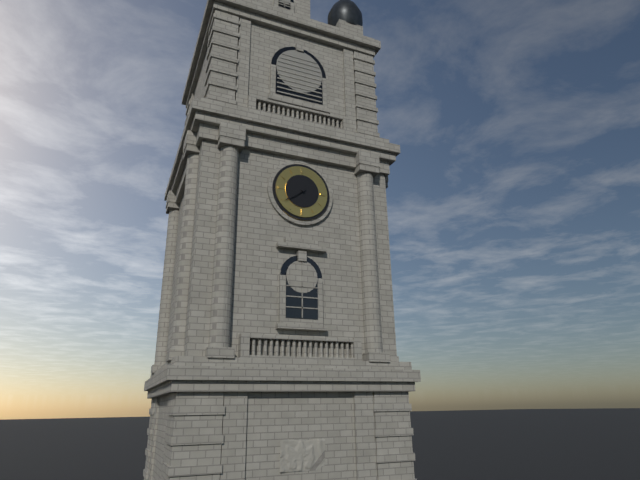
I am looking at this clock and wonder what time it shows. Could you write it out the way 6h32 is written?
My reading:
7h39
